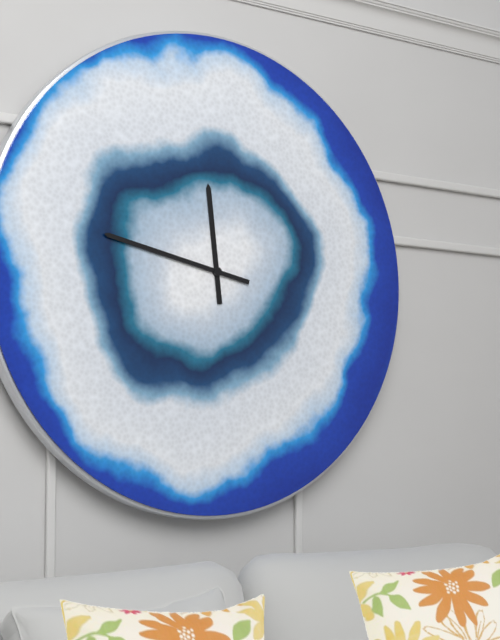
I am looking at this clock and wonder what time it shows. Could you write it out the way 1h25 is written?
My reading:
11h47
